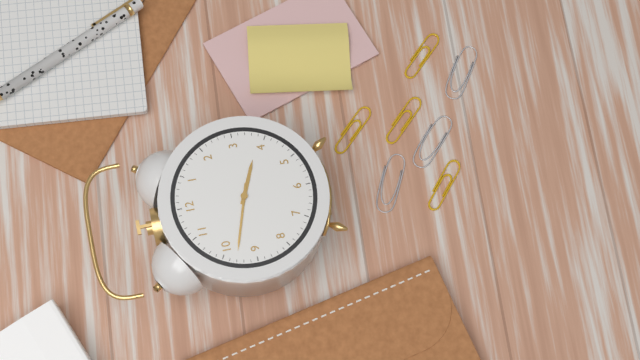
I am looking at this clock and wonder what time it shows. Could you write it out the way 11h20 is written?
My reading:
3h48
